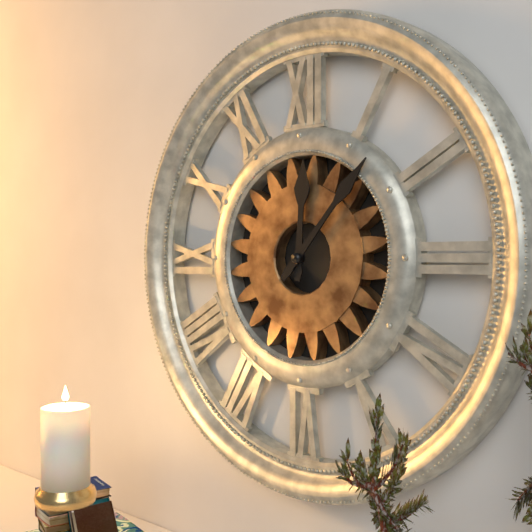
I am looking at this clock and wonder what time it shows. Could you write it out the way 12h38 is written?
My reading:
12h07
